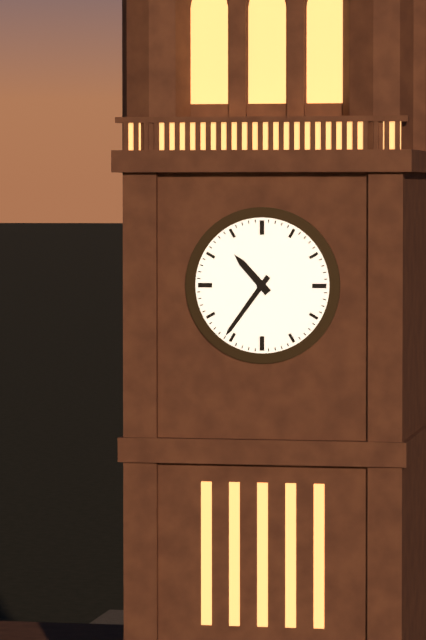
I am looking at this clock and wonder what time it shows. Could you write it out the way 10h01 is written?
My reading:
10h36
